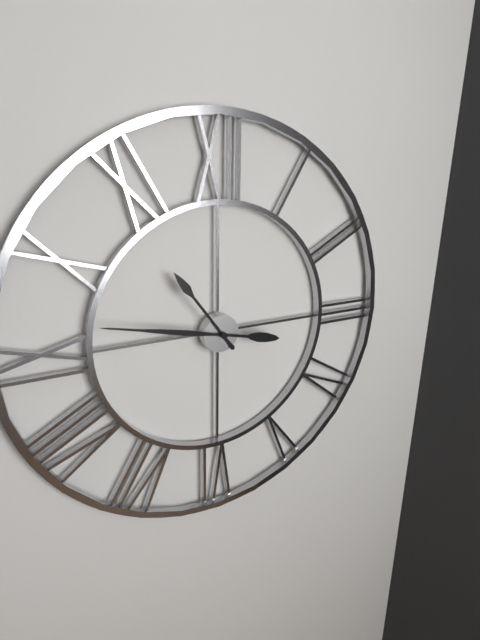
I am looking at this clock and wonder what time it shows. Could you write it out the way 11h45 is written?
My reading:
10h47
